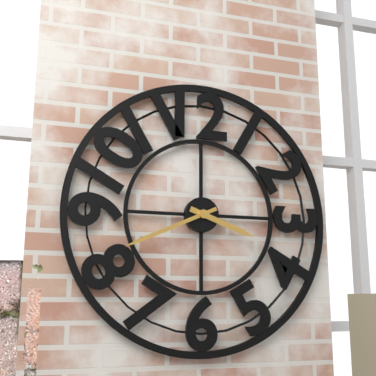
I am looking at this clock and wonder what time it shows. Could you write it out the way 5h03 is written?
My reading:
3h41
